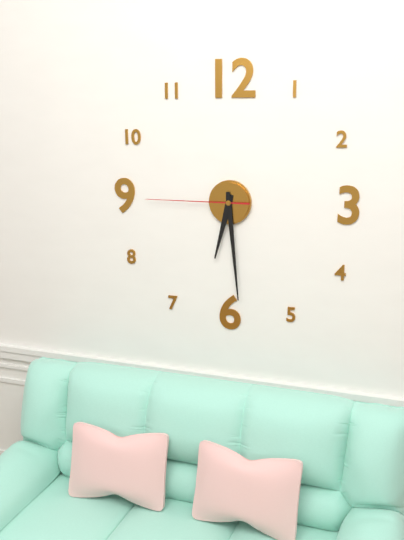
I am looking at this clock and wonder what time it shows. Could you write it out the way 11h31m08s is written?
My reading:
6h29m45s
